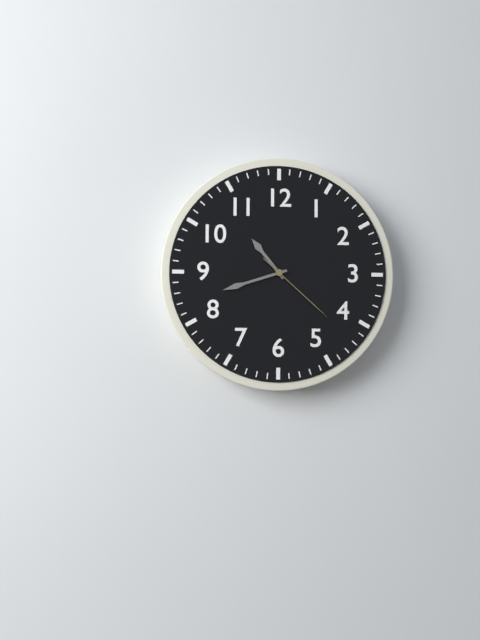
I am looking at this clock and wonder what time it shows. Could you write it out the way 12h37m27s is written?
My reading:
10h42m22s
